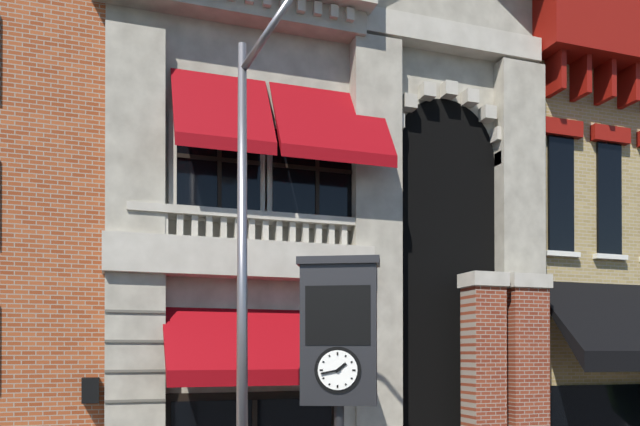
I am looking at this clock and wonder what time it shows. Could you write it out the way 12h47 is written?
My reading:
1h43
